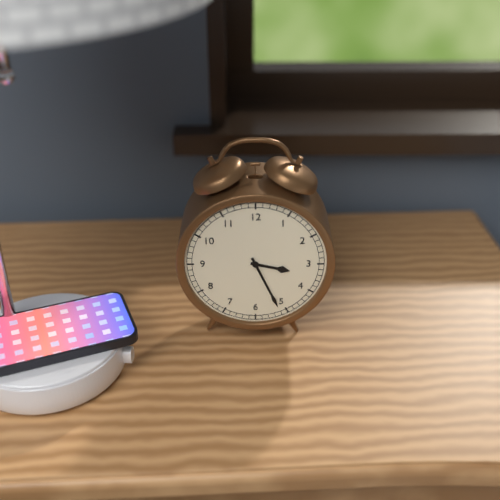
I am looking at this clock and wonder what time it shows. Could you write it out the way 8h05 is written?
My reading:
3h26
